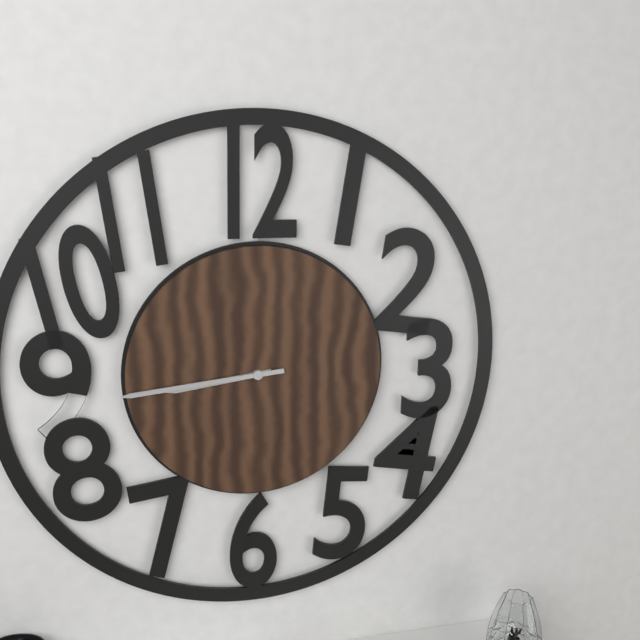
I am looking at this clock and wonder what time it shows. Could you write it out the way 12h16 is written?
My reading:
8h44
